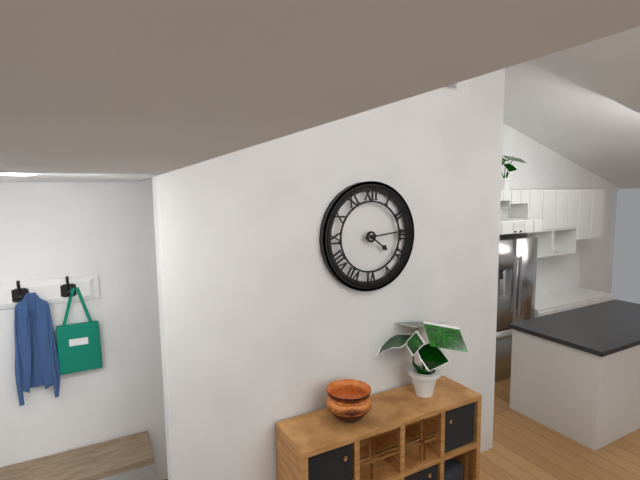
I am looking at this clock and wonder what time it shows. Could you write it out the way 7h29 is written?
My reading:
4h14
